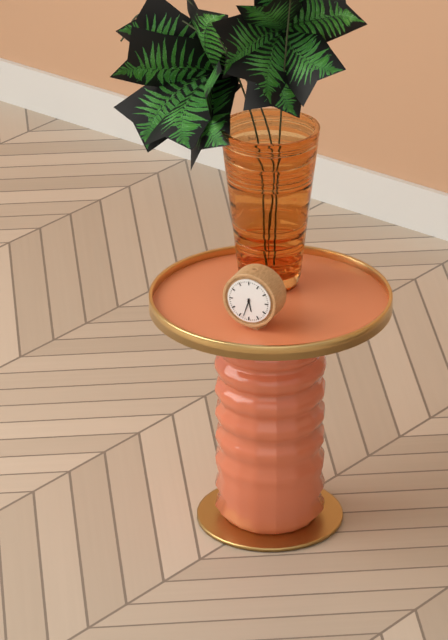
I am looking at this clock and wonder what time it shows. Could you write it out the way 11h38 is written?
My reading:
5h33
